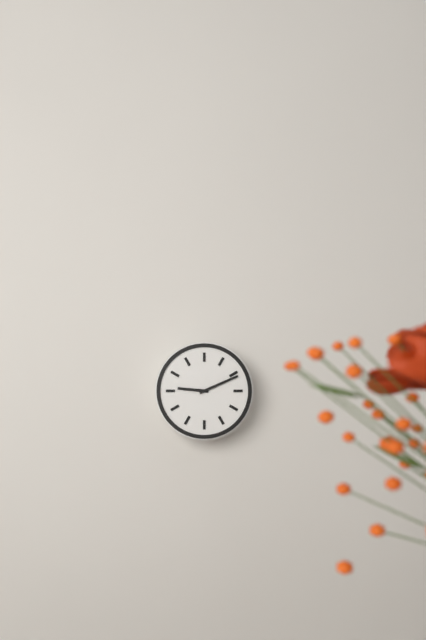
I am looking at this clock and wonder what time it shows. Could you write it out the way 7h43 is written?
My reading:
9h11
